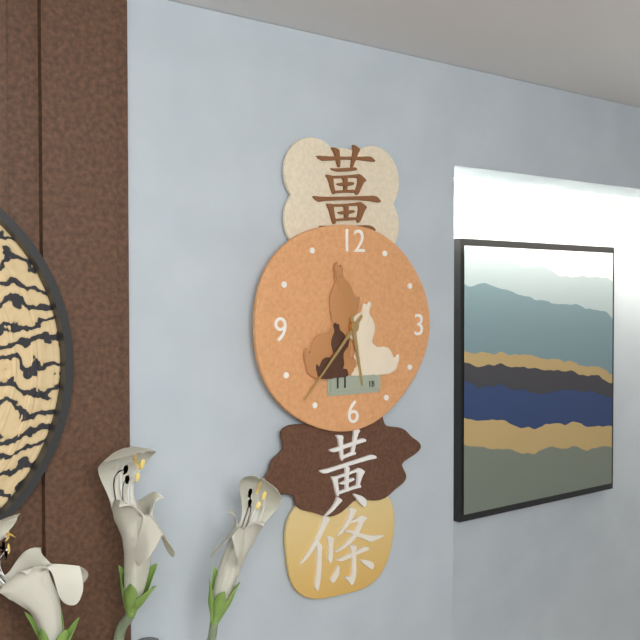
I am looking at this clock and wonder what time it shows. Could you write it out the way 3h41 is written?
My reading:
5h37
